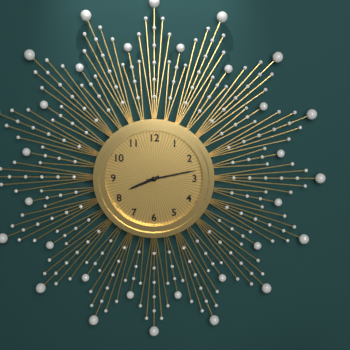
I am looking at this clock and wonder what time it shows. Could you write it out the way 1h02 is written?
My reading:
8h13
